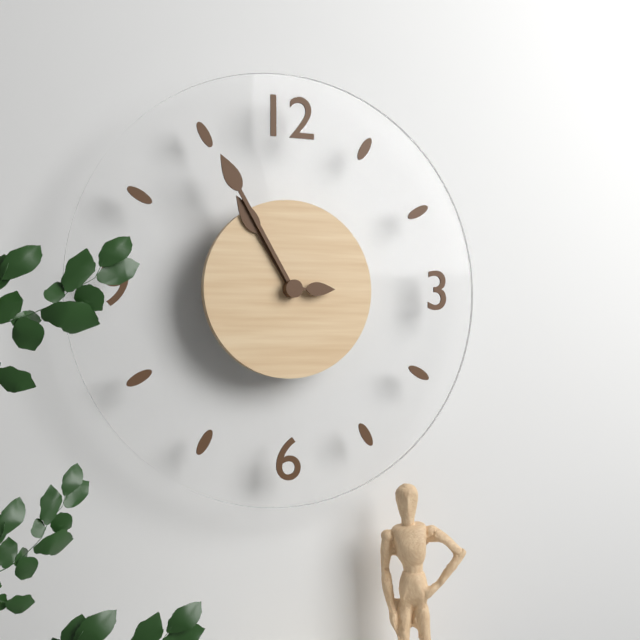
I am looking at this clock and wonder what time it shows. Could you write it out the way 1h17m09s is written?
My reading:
10h55m15s
